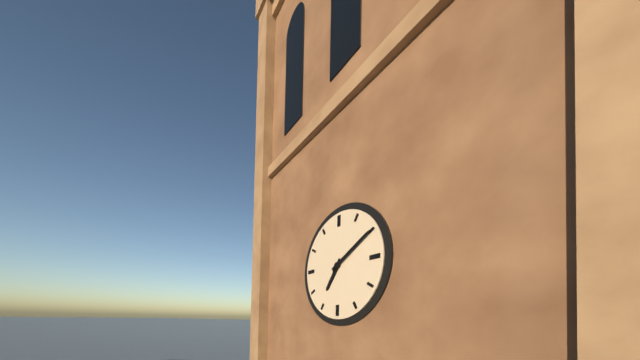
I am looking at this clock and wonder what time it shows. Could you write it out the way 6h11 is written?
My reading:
7h10
